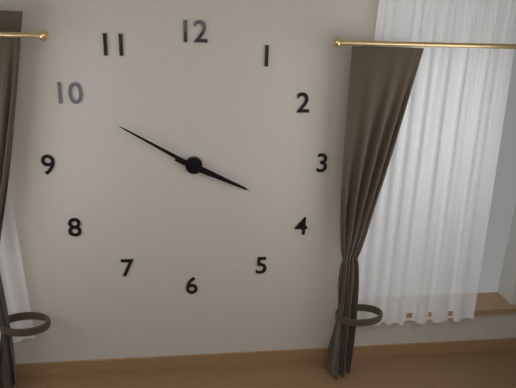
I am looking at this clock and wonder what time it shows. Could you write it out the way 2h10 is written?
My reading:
3h50
